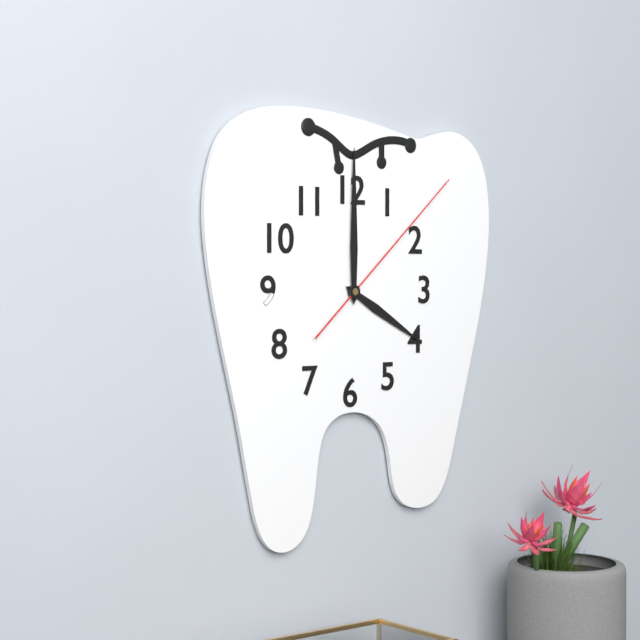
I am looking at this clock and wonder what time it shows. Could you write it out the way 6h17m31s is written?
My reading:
4h00m08s
